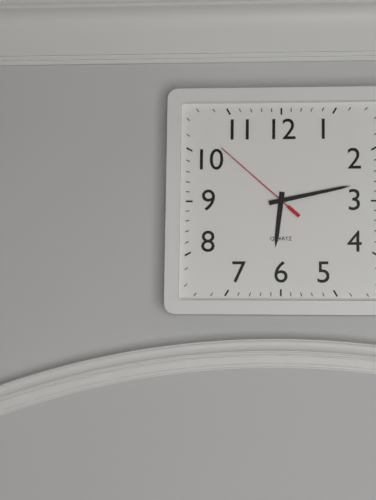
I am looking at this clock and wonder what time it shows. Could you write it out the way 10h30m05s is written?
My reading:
6h13m52s
